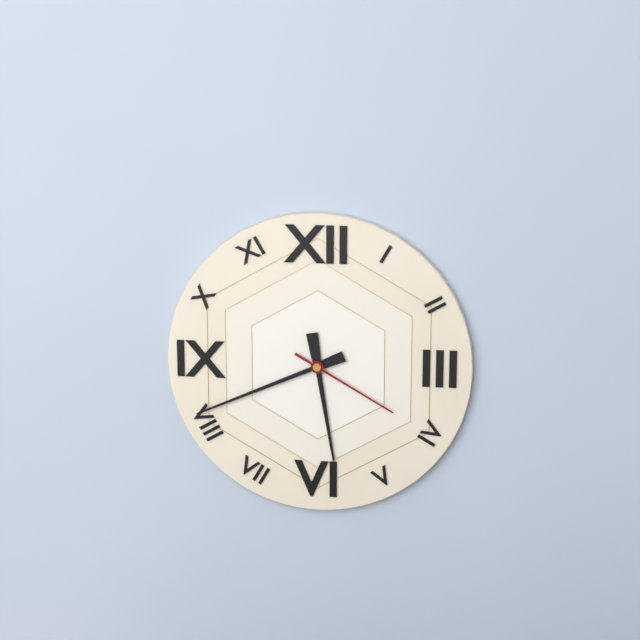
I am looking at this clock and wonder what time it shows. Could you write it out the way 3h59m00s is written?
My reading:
5h41m20s
